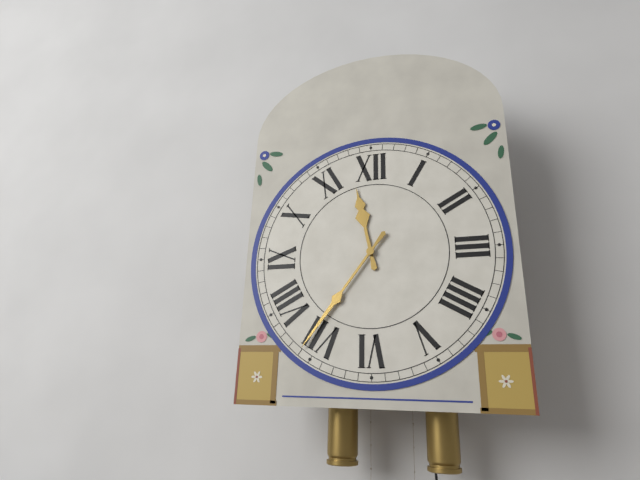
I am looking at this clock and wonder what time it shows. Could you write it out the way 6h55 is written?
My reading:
11h36
